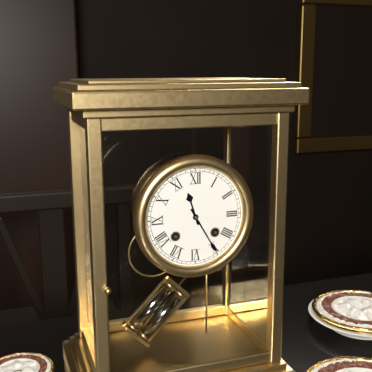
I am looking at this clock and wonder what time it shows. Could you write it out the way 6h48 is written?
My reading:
11h25
